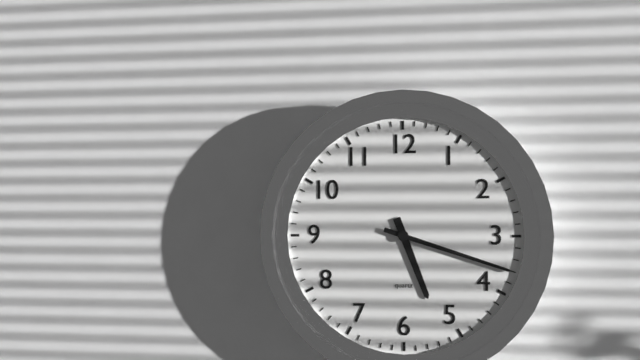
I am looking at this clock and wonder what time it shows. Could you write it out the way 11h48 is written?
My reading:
5h18
